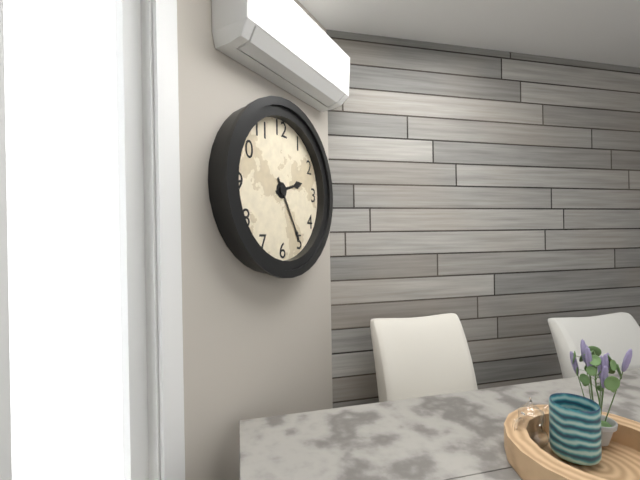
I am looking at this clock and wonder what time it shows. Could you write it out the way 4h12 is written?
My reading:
2h25
